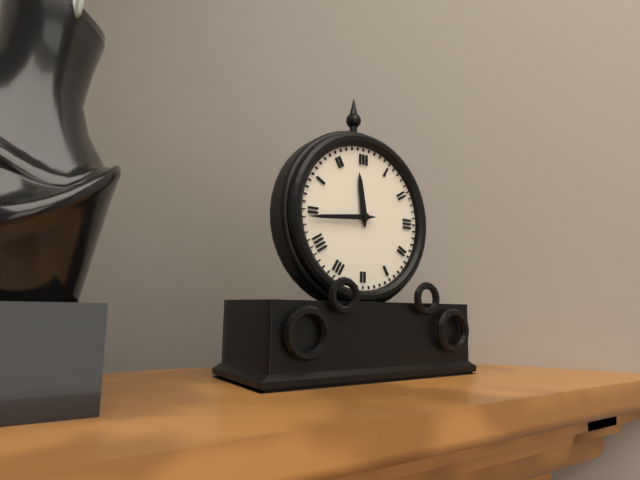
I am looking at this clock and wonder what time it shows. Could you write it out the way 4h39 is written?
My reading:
11h44
